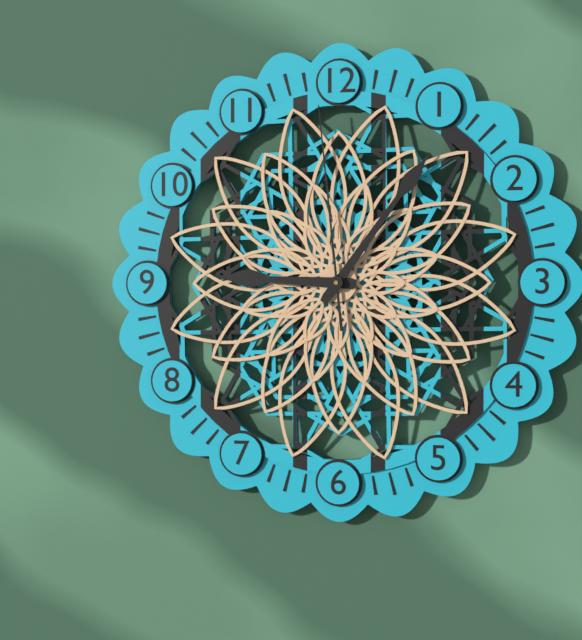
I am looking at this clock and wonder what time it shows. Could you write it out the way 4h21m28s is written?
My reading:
9h06m59s
